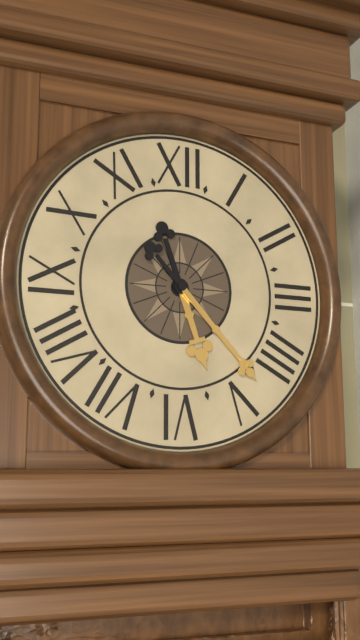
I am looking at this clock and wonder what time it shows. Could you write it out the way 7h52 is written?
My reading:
5h23
